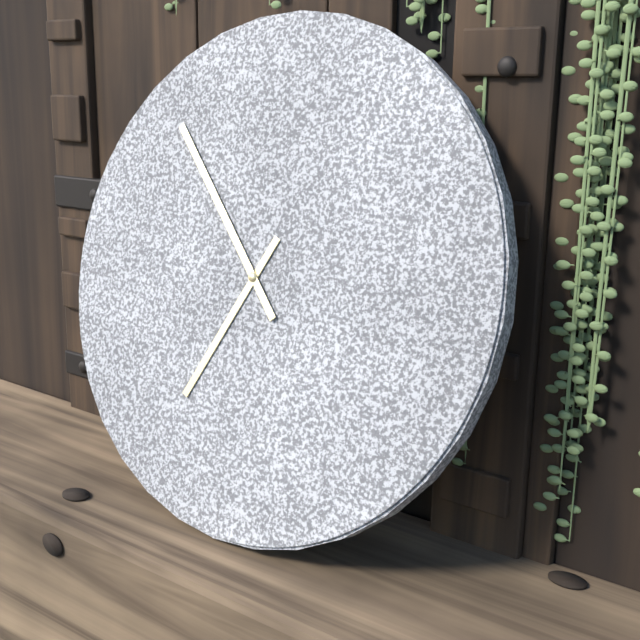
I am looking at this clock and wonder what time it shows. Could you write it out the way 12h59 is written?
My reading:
6h53
